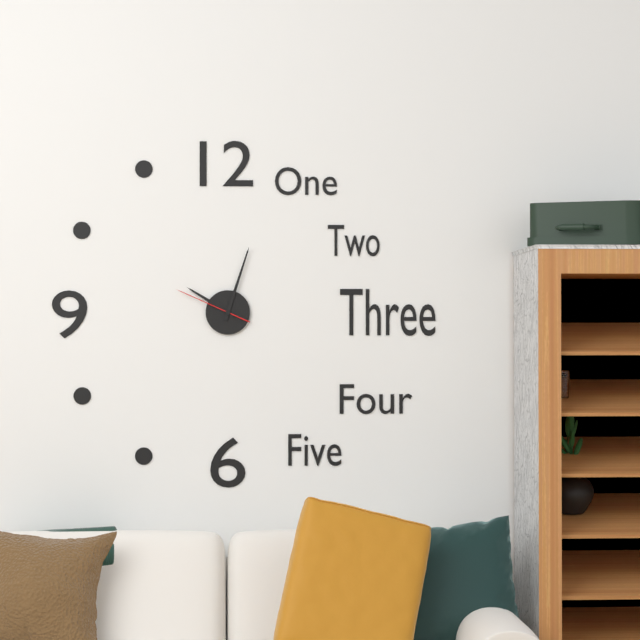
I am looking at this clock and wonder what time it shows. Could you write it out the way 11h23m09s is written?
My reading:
10h03m49s
